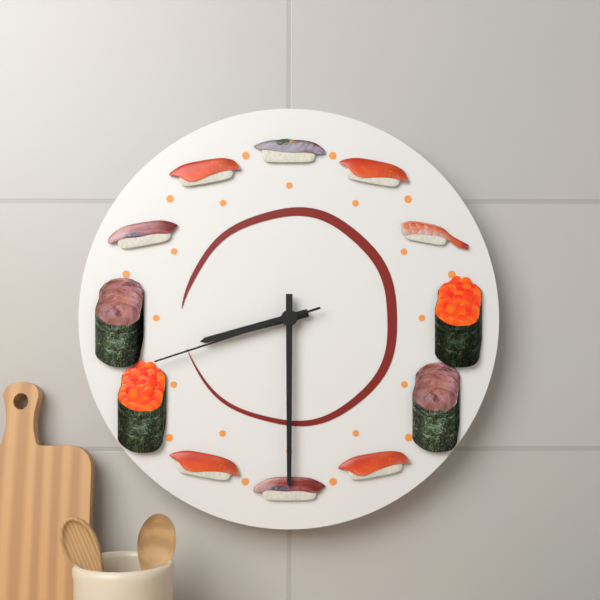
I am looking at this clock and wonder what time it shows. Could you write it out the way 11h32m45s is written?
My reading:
8h30m42s
